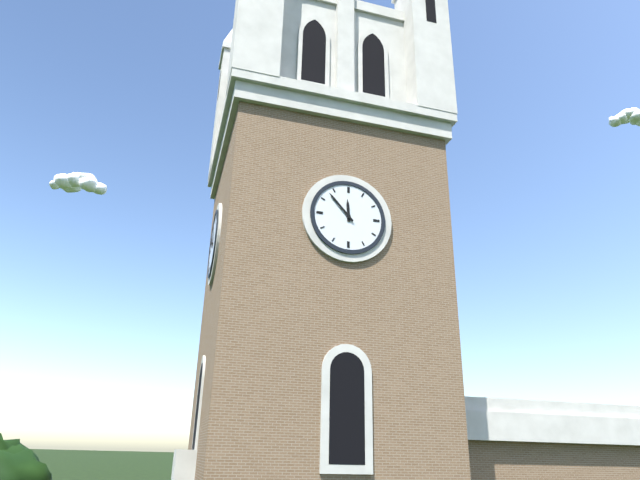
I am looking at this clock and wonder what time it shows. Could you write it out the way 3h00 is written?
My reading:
11h53
